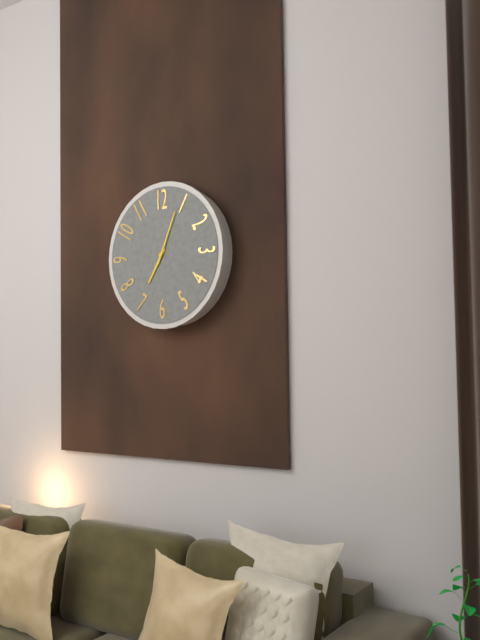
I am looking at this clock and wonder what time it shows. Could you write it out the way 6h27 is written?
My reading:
7h04
